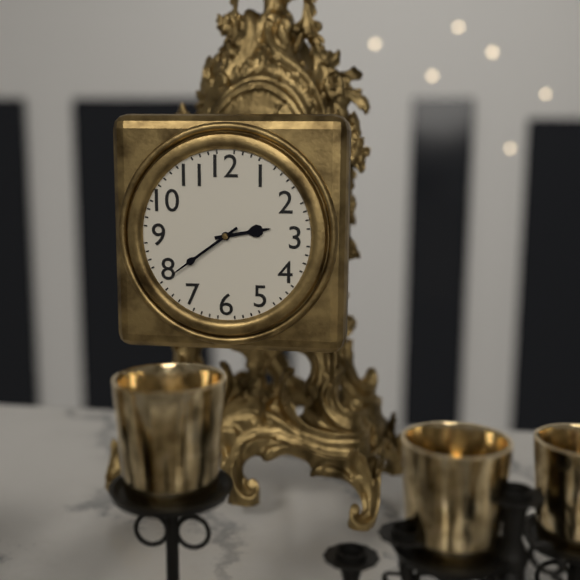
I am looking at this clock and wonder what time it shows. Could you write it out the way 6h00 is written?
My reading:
2h39
